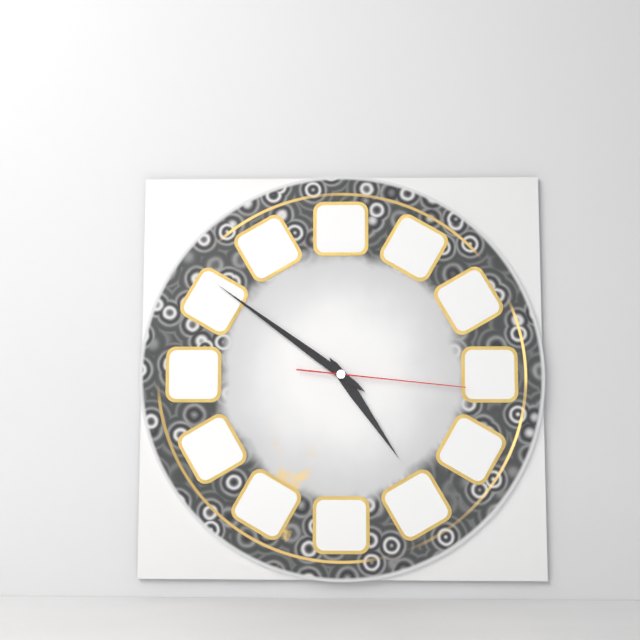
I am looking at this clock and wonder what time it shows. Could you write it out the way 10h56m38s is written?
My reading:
4h51m16s
